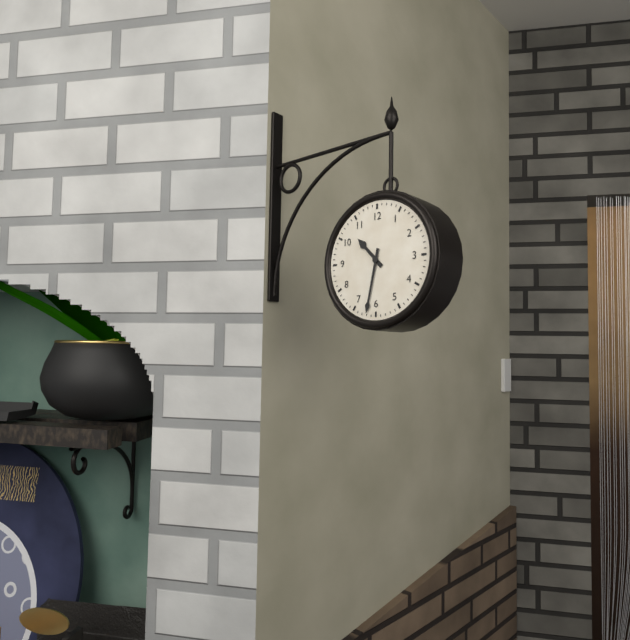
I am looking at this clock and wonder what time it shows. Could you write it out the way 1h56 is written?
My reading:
10h32
